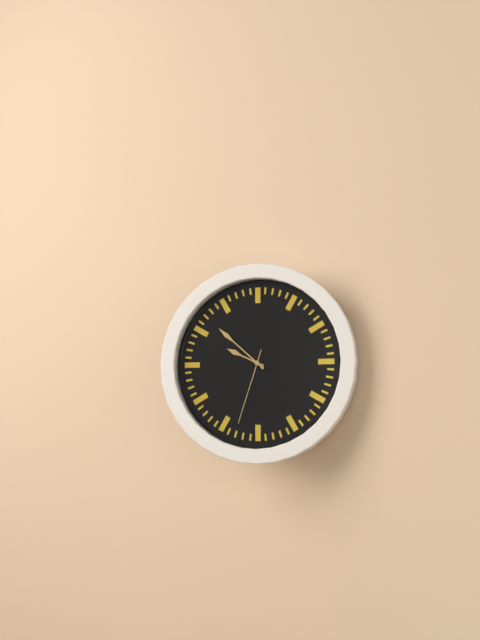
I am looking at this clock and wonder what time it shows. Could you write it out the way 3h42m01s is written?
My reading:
9h52m33s
